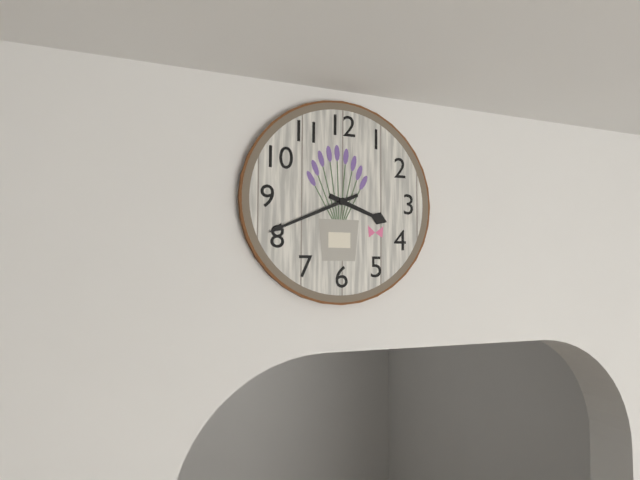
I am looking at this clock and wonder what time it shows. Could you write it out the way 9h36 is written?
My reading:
3h41
